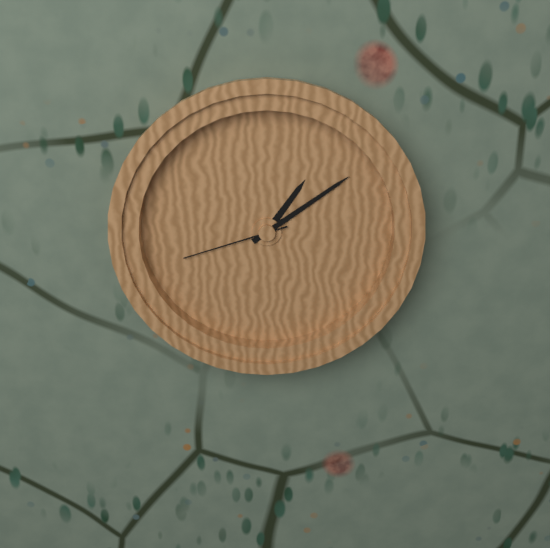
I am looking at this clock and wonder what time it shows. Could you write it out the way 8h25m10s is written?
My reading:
1h09m42s
